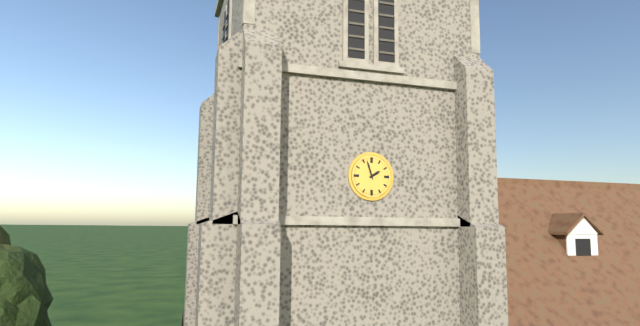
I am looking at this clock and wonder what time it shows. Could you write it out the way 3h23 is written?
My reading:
1h57
